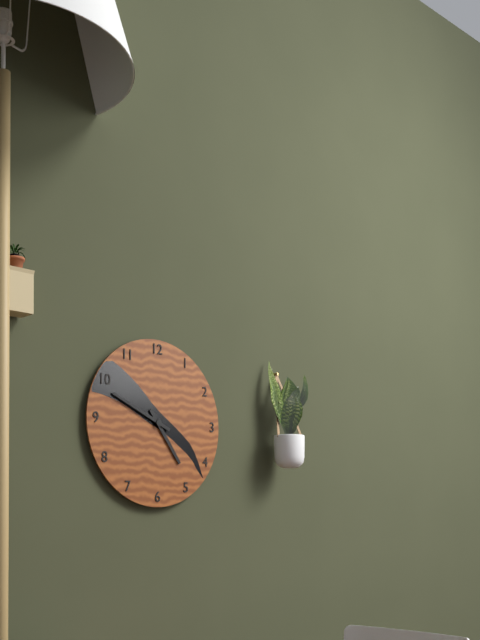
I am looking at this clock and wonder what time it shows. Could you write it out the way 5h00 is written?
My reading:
4h49
